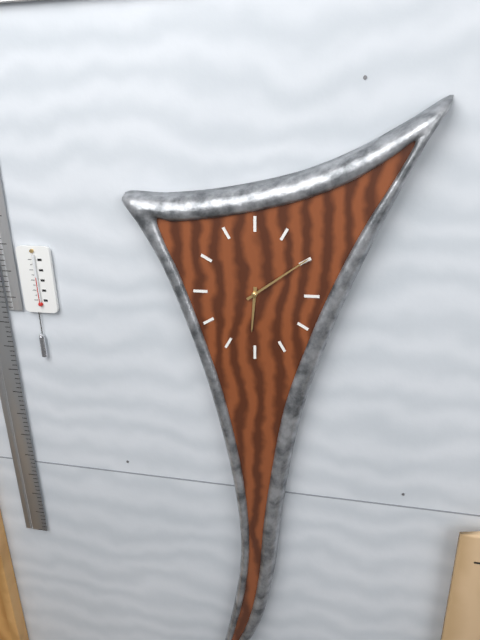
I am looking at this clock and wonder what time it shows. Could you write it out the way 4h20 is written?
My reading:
6h09
